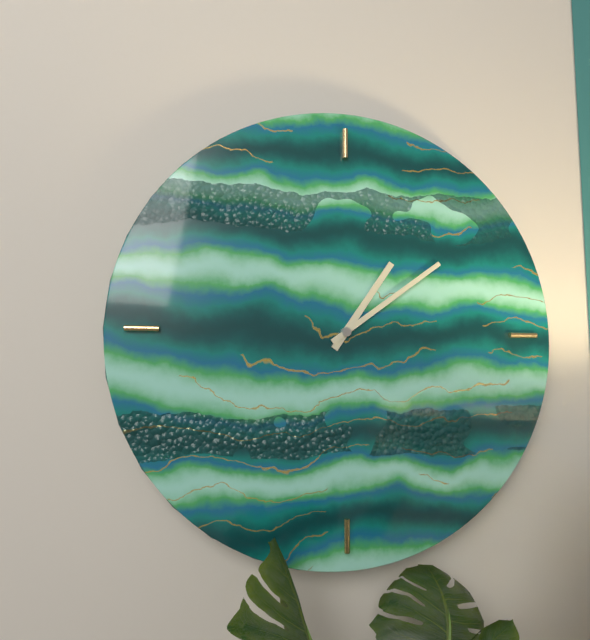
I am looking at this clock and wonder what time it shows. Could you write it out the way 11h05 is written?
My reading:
1h09
